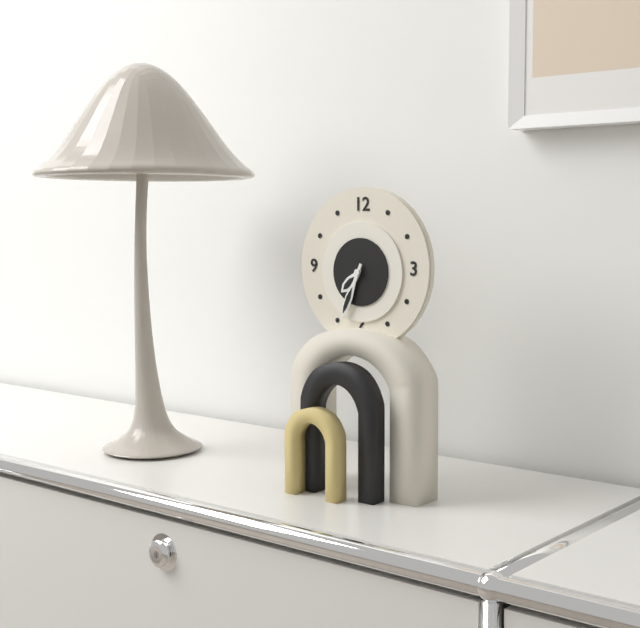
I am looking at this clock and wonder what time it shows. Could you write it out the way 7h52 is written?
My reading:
7h34
